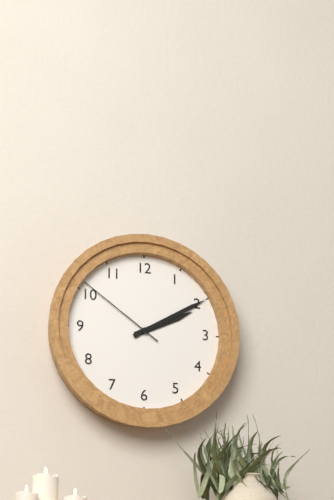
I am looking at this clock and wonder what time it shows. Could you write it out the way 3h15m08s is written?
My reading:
2h10m51s
